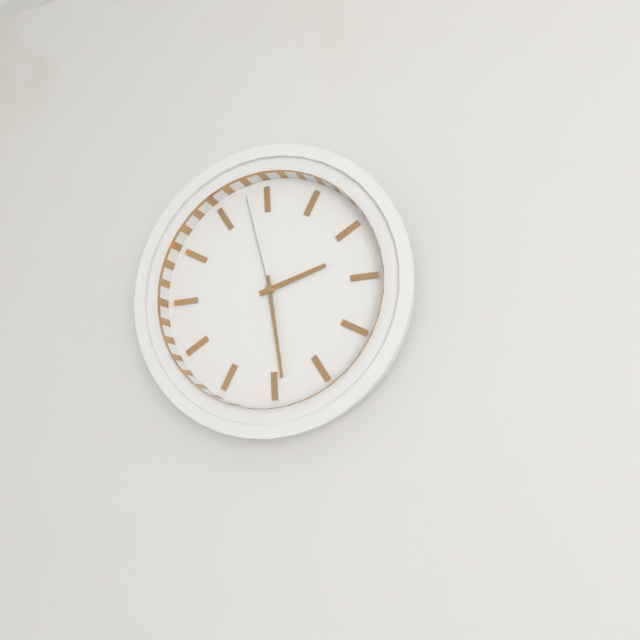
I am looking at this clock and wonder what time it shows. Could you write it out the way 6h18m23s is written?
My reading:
2h29m58s
